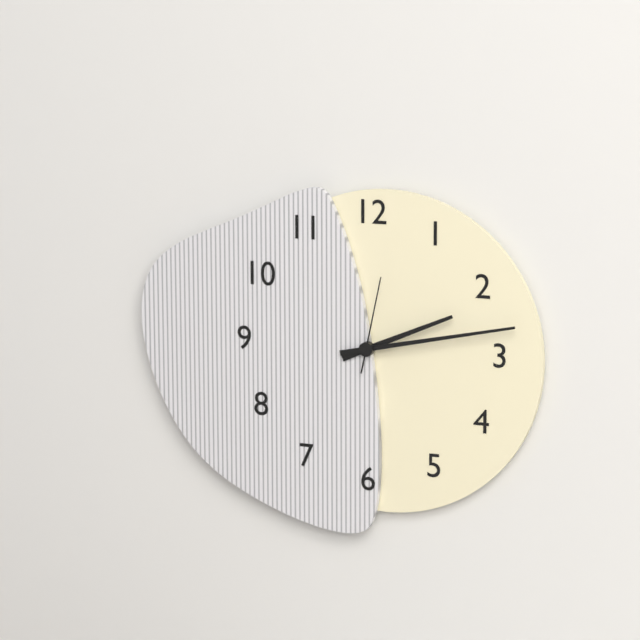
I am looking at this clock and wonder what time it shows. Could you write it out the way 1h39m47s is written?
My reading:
2h13m02s
